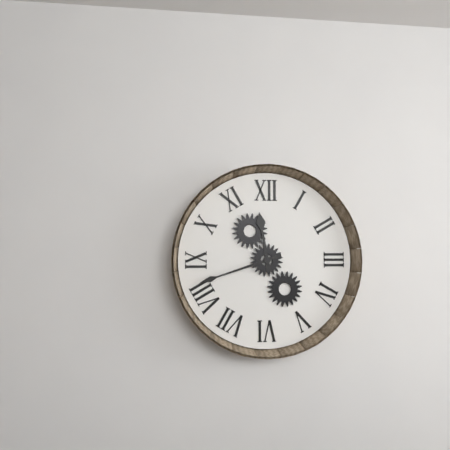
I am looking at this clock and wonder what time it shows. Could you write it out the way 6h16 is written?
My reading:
11h42
